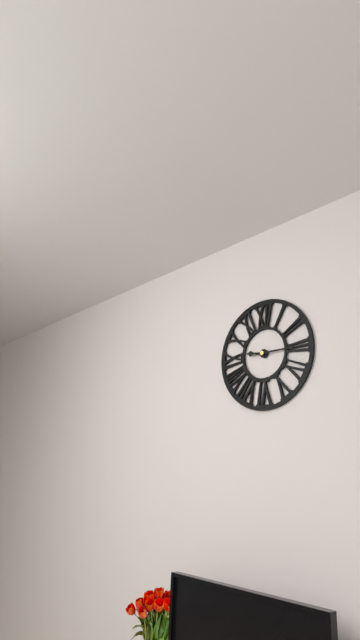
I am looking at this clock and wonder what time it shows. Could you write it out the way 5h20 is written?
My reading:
9h15
